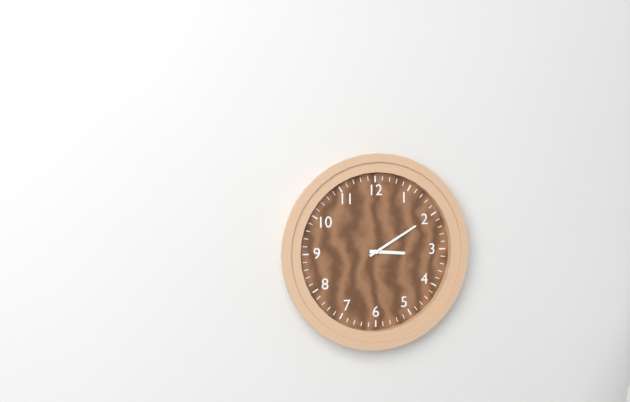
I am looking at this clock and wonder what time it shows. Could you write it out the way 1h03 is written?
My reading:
3h10
